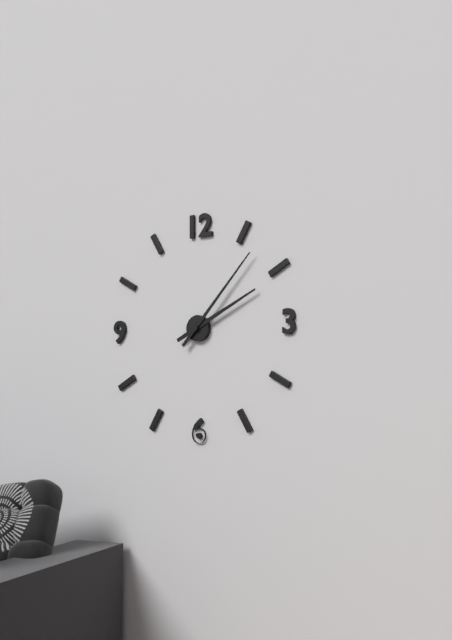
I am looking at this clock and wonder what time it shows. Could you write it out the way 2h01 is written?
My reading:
2h07
